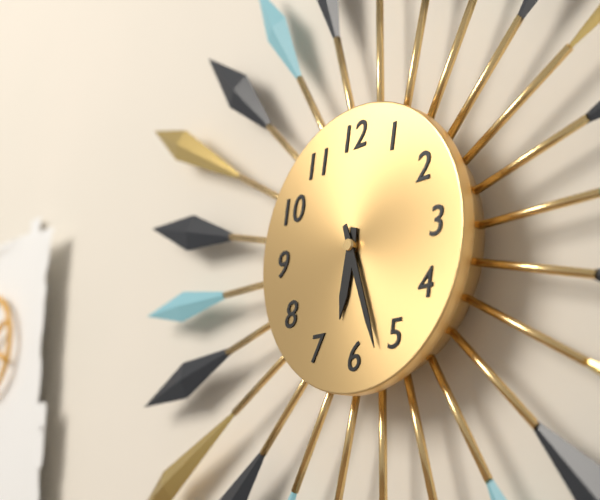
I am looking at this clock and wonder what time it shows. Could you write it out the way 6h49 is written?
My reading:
6h27
